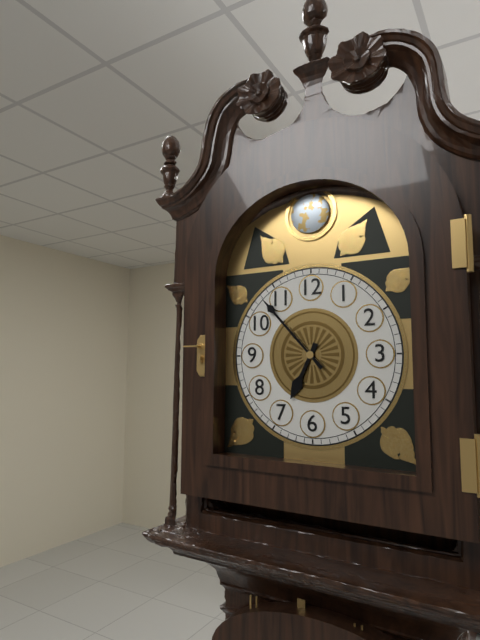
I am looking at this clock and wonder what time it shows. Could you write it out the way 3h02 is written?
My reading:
6h53
